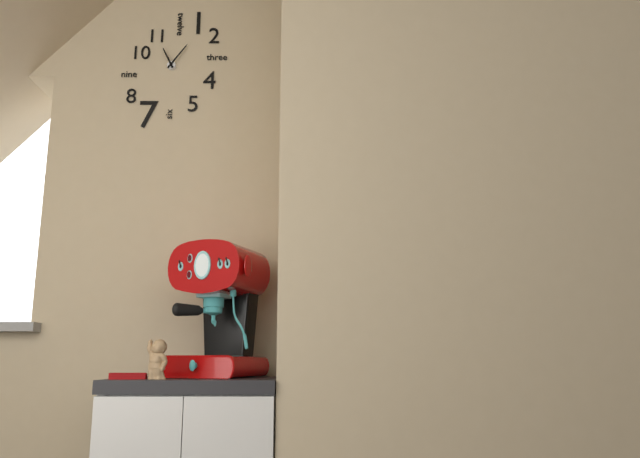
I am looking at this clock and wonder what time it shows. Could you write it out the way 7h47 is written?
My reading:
11h06
